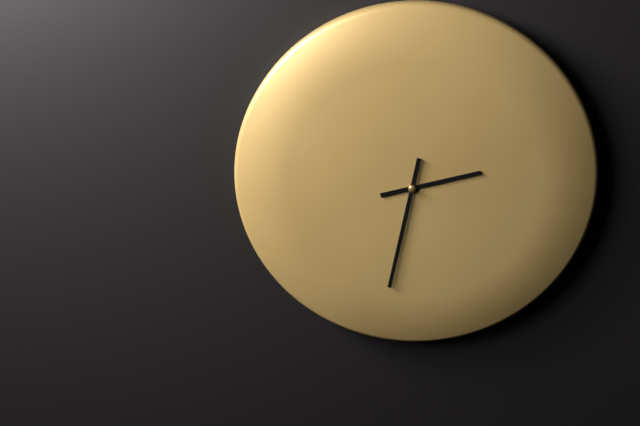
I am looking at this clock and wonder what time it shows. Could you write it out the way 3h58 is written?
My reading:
2h32
